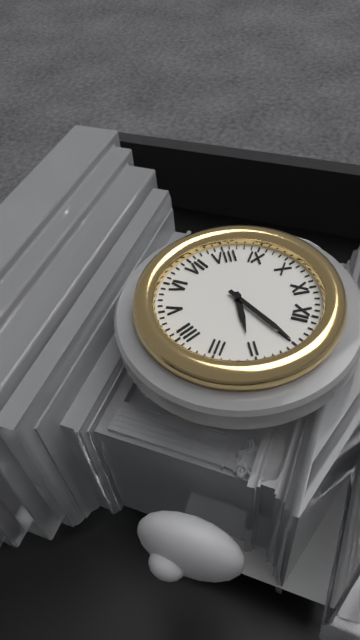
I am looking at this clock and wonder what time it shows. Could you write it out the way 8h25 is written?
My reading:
2h05
